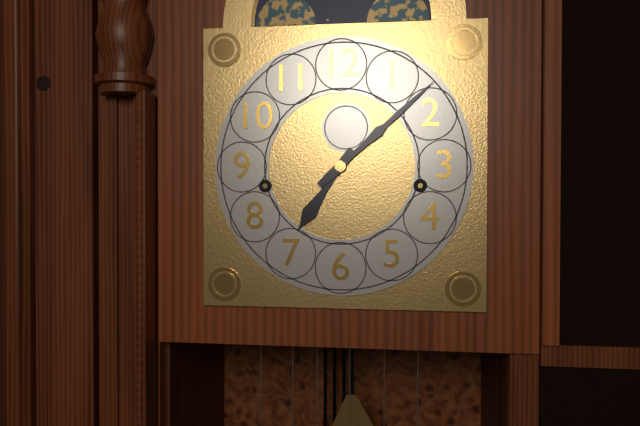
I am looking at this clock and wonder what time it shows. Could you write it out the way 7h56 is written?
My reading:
7h08
